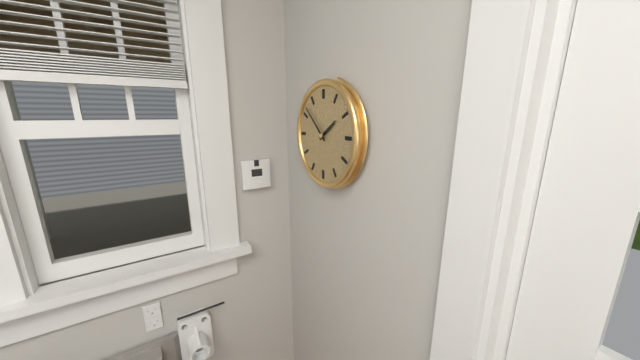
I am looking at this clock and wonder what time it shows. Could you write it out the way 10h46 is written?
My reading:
1h52
